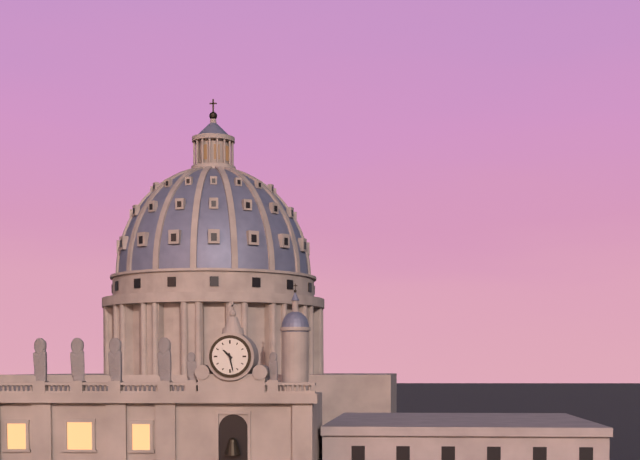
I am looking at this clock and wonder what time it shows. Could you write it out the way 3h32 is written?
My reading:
10h28
